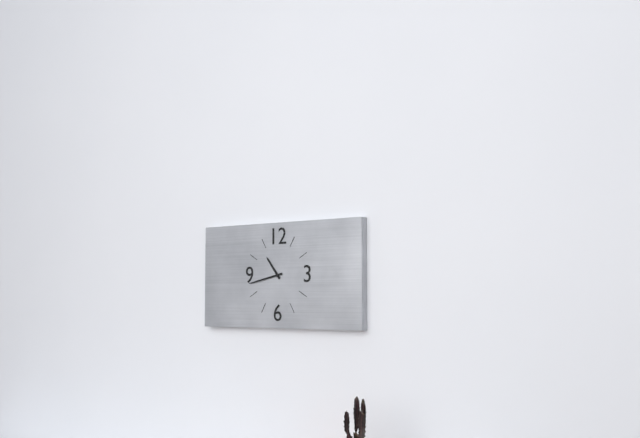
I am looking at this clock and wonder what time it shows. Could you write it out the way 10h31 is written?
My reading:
10h43
